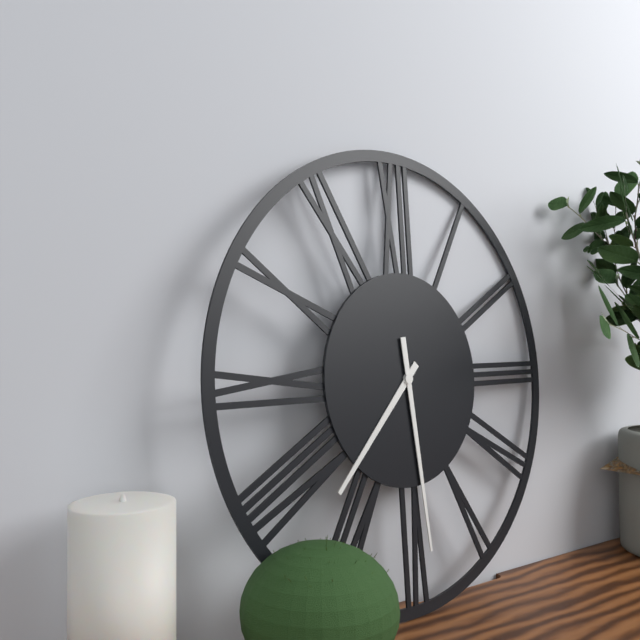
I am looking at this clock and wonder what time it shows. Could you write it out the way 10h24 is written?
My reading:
7h29
